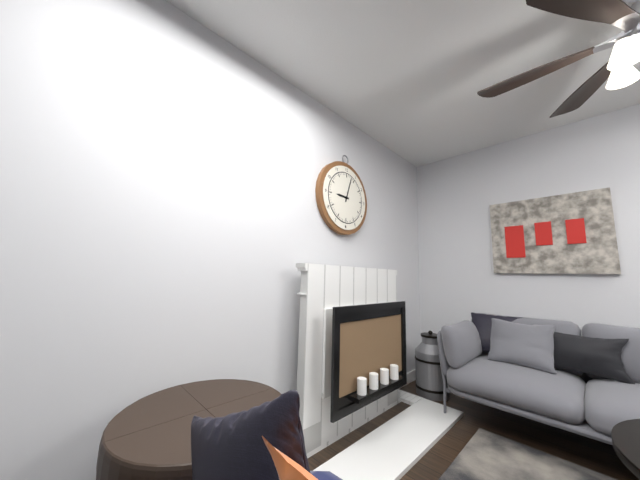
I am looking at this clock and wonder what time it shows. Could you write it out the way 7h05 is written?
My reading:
9h03
